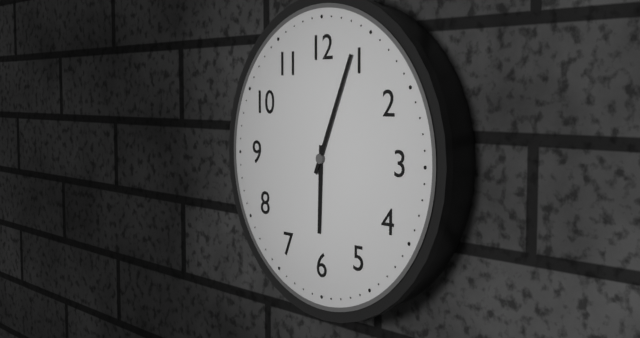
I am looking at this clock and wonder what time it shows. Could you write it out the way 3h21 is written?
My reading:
6h04
